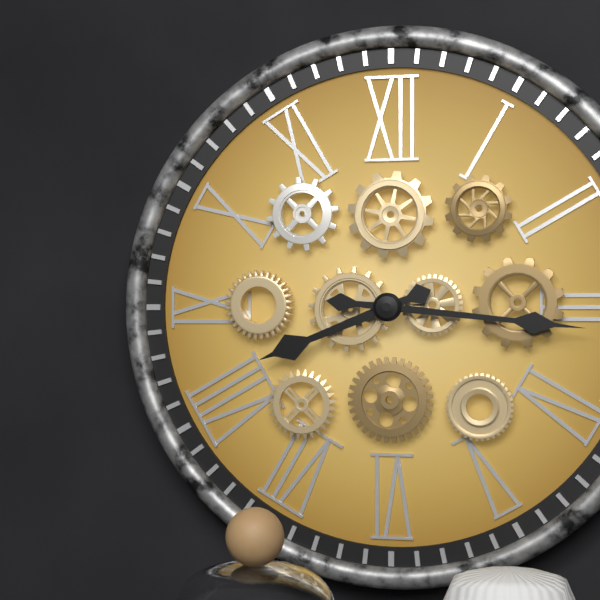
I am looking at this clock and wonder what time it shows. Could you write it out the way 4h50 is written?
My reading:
8h16
